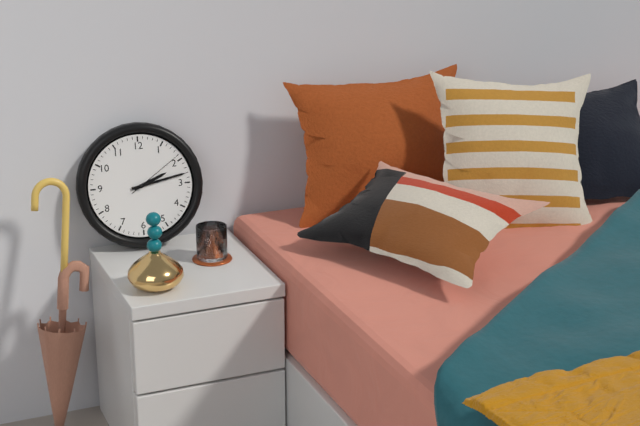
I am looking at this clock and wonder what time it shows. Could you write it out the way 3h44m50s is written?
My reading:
2h13m09s
